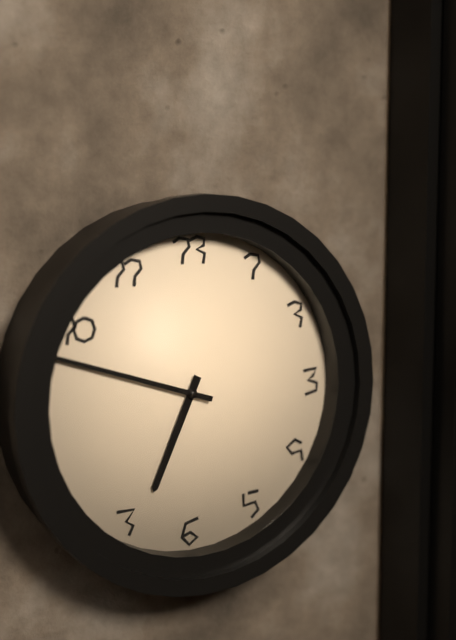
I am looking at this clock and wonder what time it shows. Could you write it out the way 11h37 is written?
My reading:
6h48
